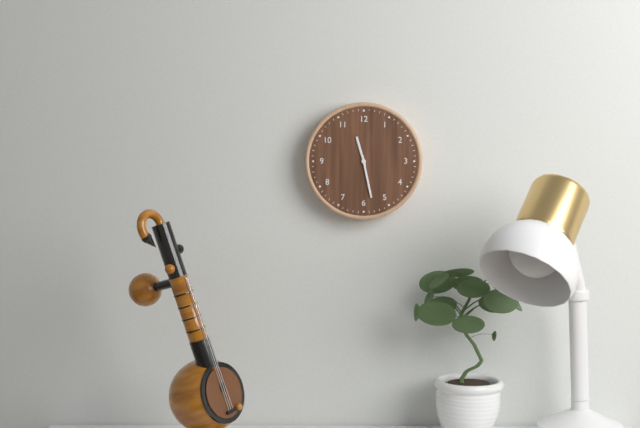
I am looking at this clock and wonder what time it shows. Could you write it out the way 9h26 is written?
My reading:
11h28
